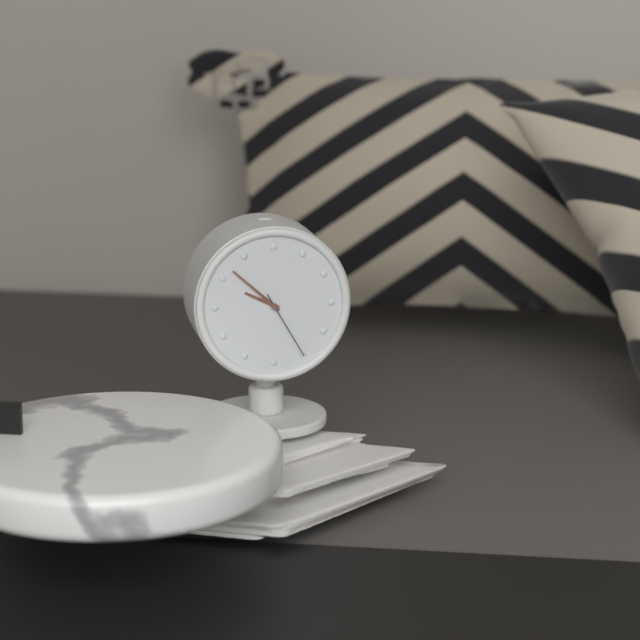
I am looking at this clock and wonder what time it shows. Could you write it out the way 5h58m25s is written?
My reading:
9h52m25s
